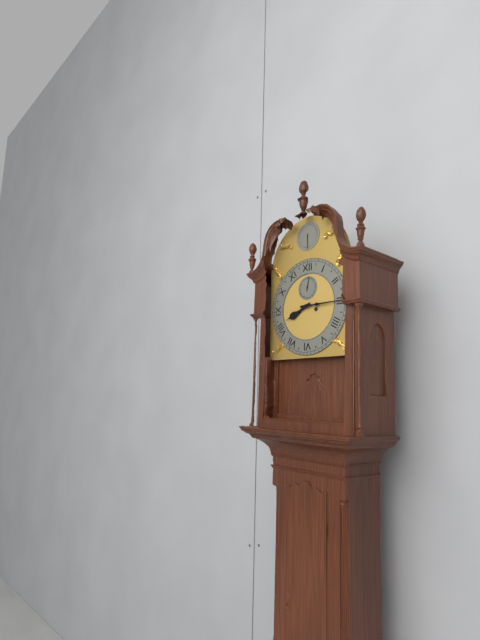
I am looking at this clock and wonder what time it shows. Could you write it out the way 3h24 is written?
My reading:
8h15
